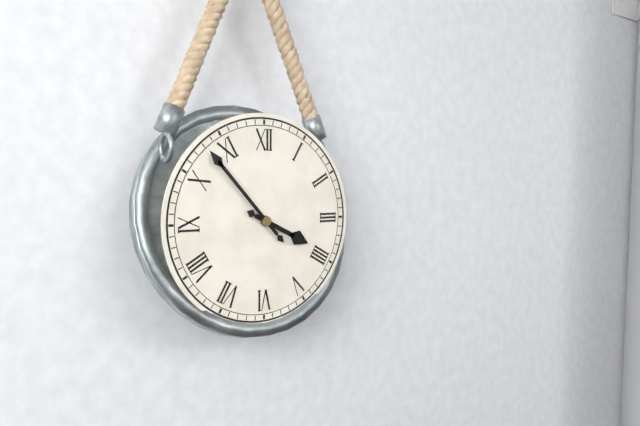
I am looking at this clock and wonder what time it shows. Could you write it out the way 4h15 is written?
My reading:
3h53
